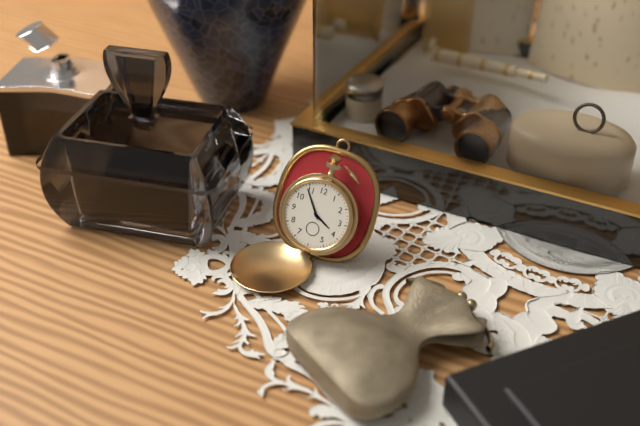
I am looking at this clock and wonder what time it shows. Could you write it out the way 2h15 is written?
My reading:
3h54
